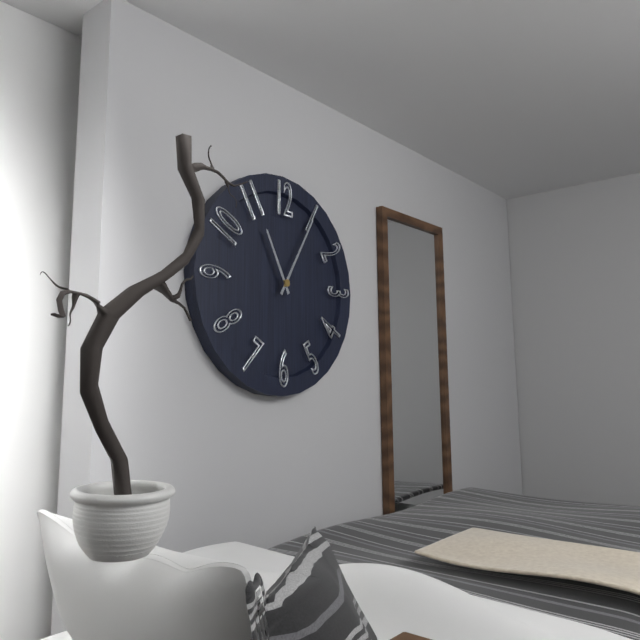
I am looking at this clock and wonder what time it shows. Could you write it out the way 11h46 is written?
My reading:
11h05
